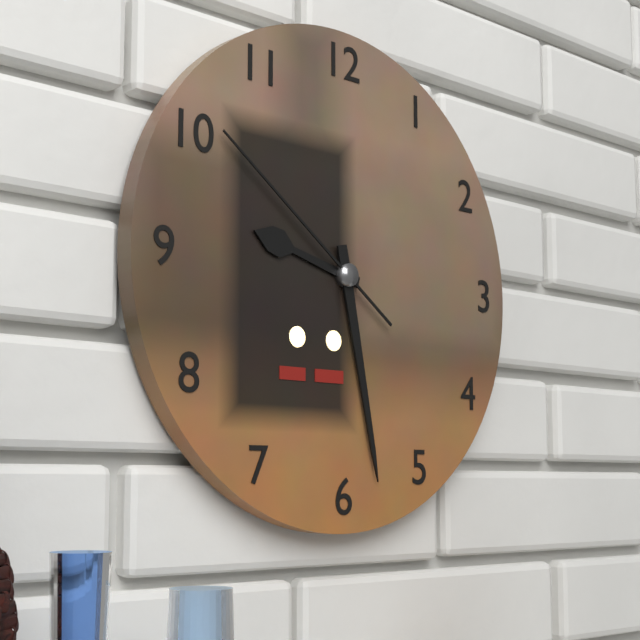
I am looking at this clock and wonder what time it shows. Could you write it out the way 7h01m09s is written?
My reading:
9h28m51s
